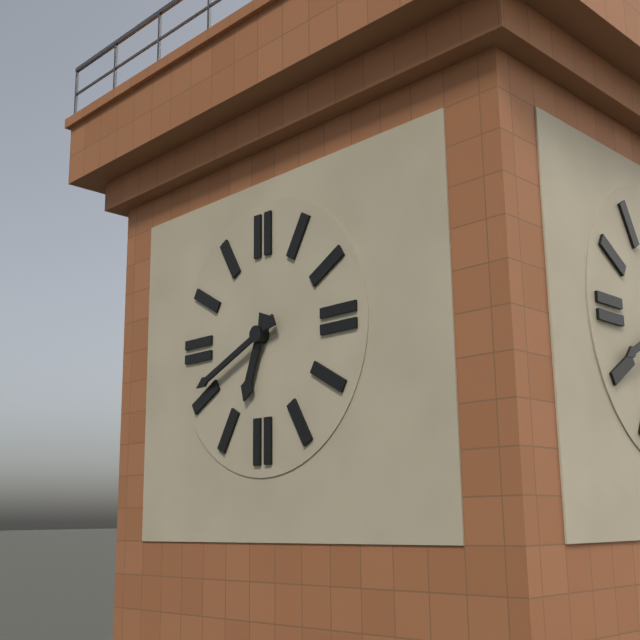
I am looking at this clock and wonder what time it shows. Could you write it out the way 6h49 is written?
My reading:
6h41
